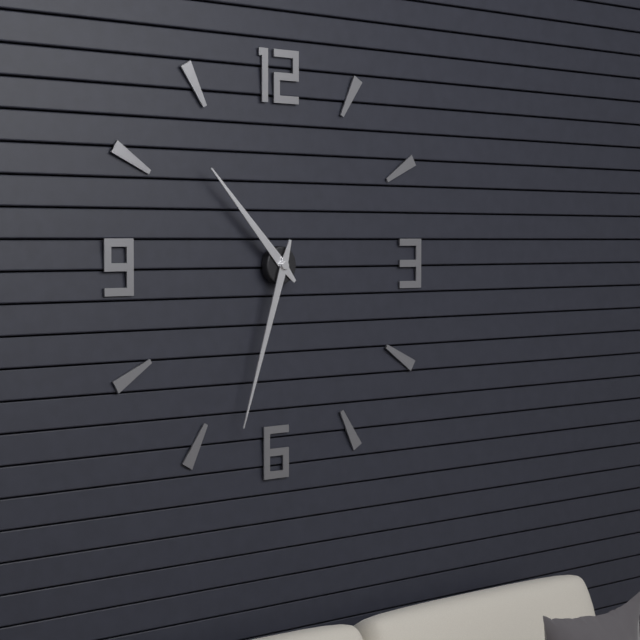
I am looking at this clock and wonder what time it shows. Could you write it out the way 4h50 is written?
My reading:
10h33
